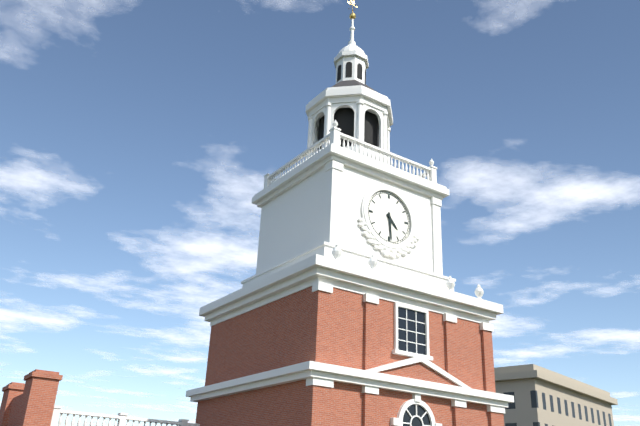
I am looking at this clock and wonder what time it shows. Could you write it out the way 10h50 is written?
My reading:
4h29
